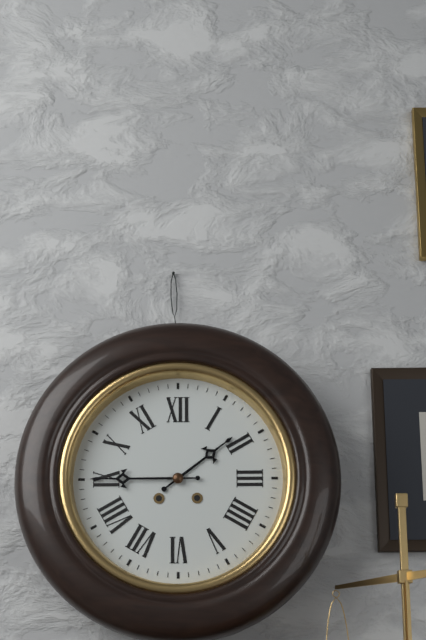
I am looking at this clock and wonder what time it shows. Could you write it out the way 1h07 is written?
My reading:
1h45
